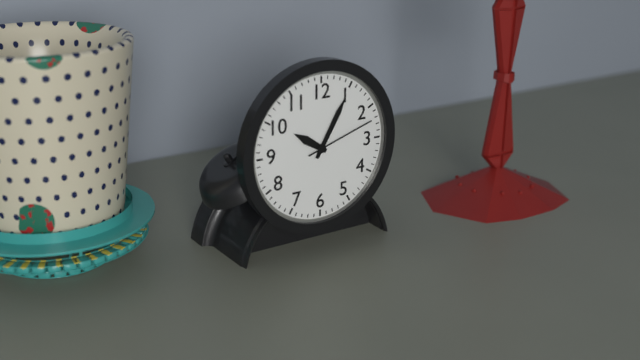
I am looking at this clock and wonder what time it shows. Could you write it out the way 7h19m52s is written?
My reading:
10h05m12s
